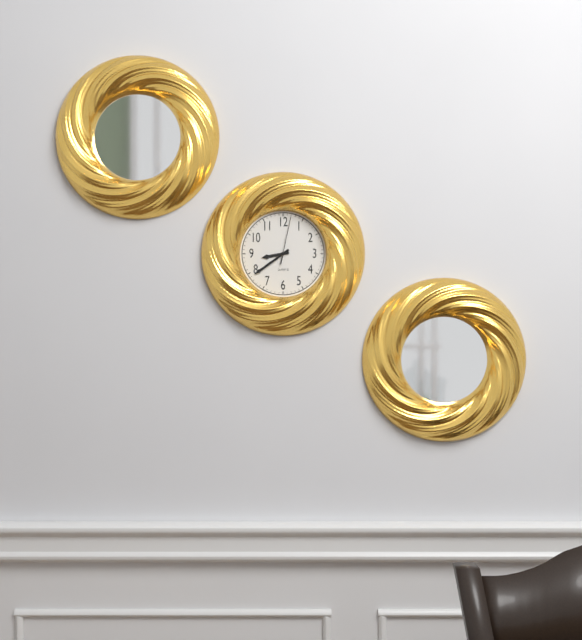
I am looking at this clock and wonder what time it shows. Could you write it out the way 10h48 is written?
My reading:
8h39
